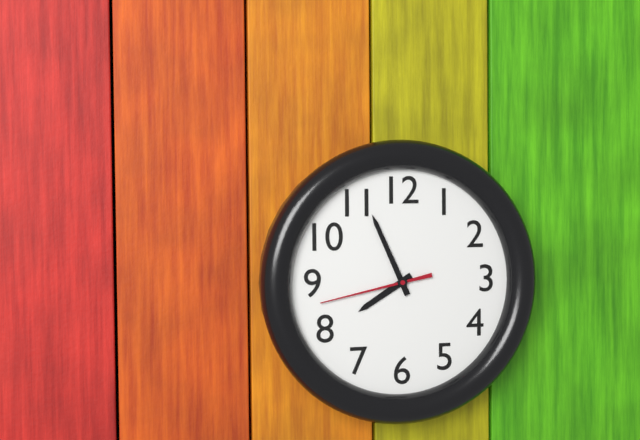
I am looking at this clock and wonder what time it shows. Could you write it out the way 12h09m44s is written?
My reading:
7h56m43s
